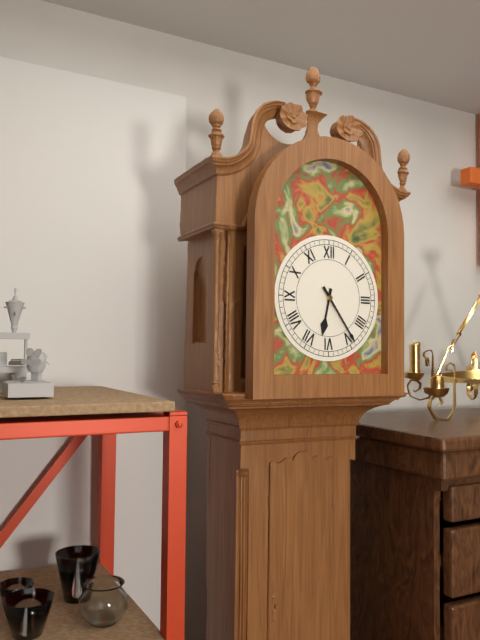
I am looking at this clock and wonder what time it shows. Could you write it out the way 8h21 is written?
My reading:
6h24
